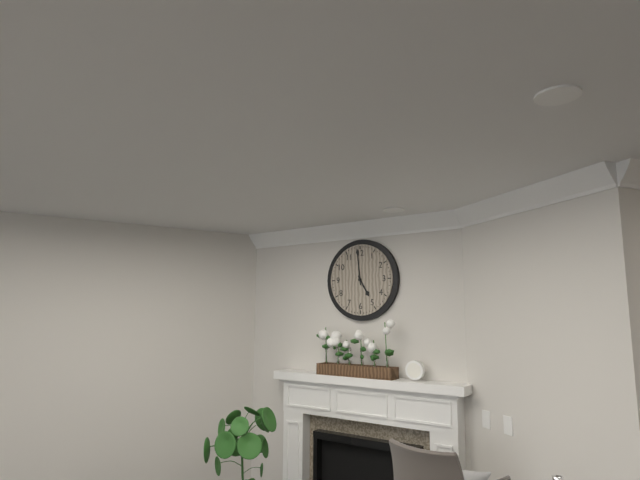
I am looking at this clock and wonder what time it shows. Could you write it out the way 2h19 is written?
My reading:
4h59
